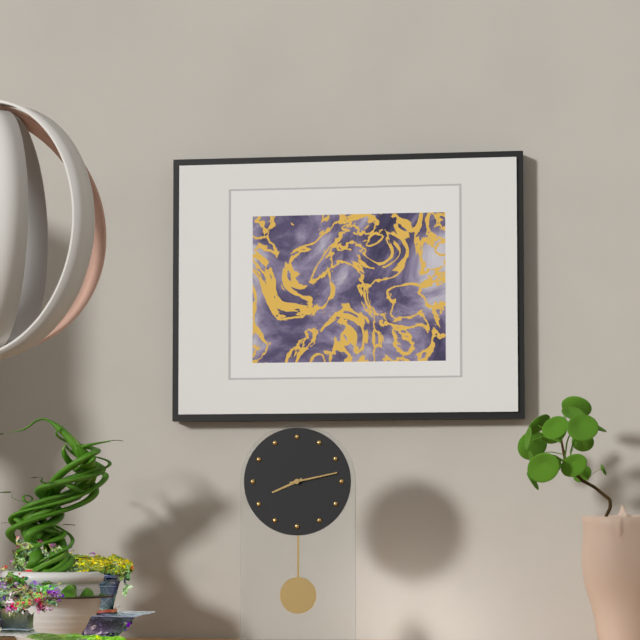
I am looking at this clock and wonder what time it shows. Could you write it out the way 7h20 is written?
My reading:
8h13
